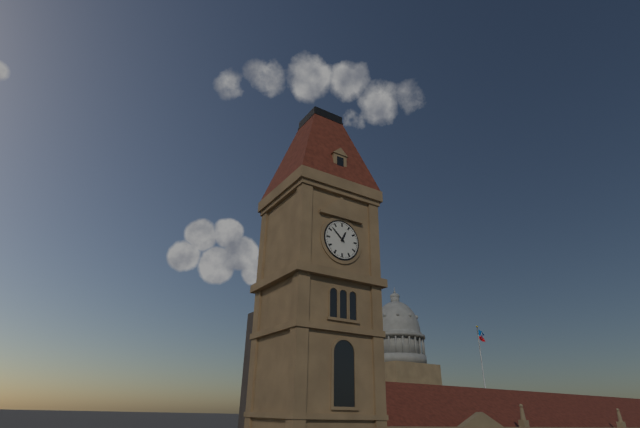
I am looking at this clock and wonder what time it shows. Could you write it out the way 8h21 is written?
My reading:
12h52
